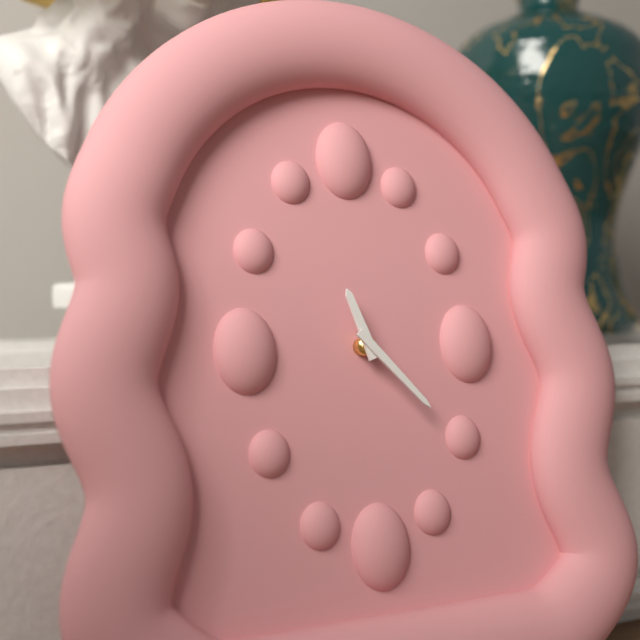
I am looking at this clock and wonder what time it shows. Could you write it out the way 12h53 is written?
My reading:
11h23
